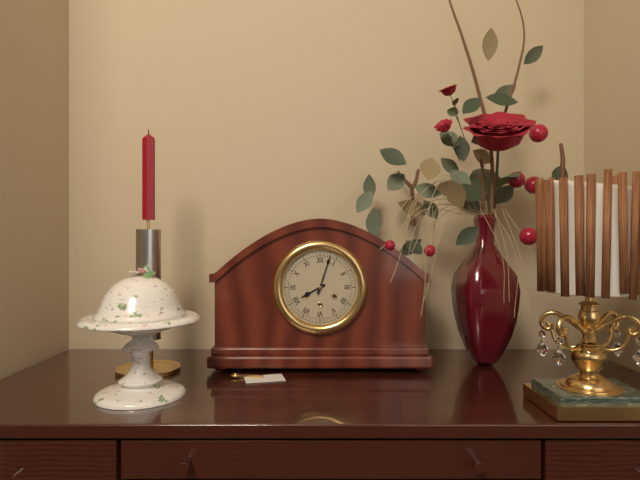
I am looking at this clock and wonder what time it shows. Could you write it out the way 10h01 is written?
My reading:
8h03
